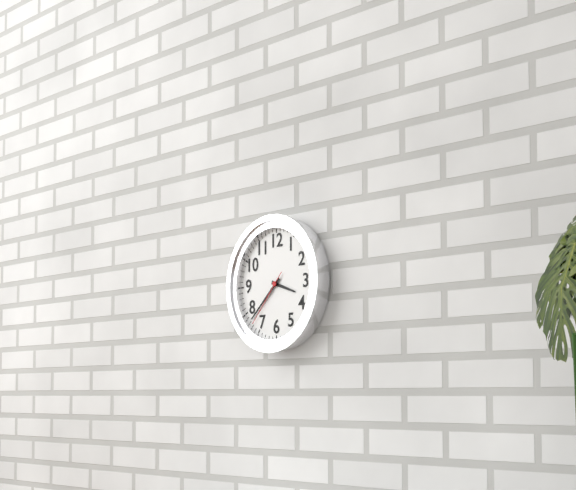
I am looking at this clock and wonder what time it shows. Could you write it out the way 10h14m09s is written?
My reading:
3h38m37s
